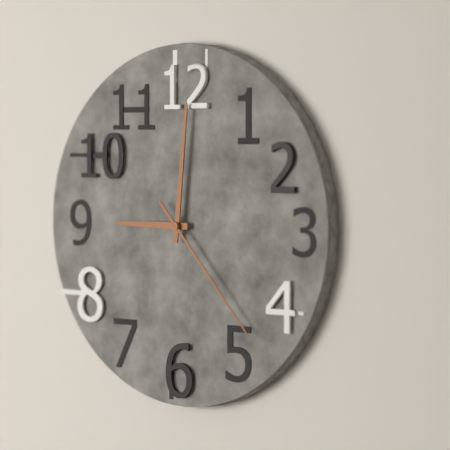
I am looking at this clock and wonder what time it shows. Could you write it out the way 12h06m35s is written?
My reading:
9h01m23s
